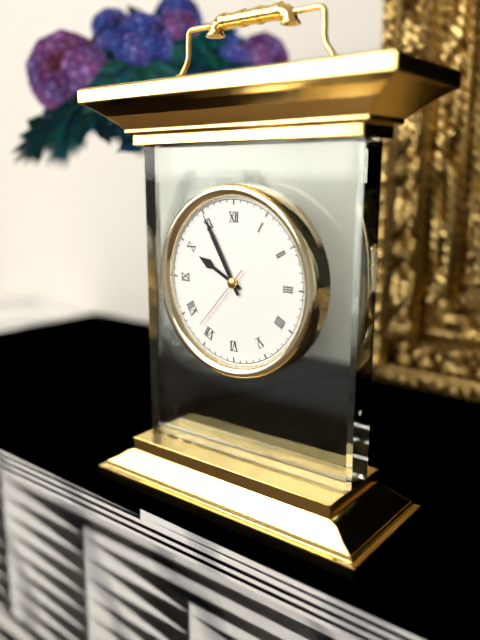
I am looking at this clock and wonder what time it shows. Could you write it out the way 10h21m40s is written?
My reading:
9h55m37s
